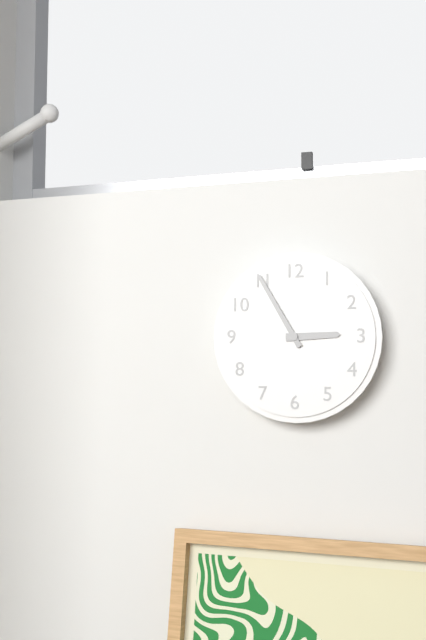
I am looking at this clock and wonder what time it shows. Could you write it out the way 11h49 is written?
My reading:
2h55
